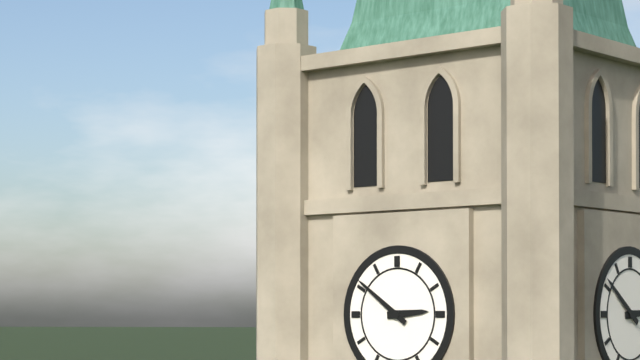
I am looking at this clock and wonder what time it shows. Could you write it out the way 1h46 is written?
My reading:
2h51
